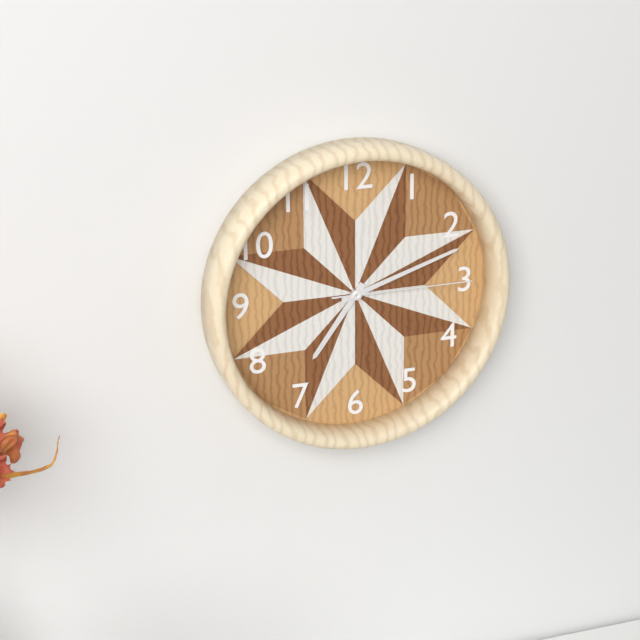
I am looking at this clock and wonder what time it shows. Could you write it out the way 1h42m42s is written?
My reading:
7h12m15s
